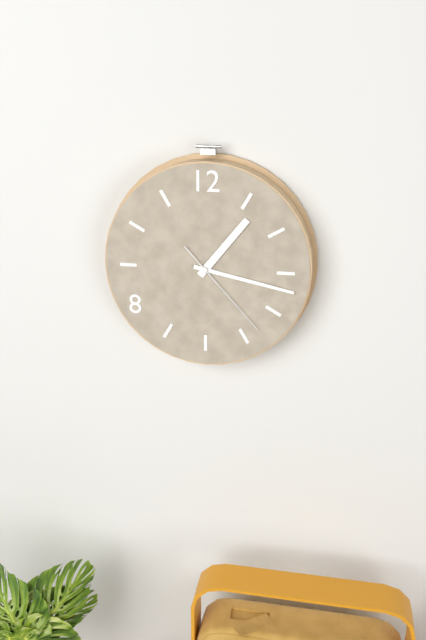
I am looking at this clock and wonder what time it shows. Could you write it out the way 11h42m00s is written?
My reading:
1h17m23s
